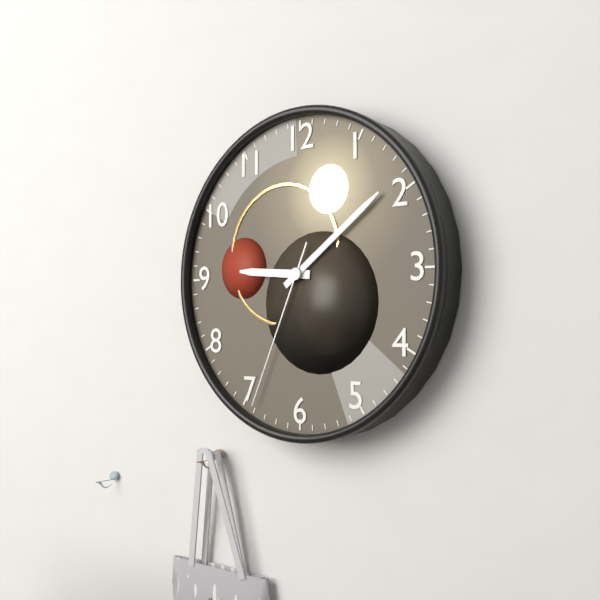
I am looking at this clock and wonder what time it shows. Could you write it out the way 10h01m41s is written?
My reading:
9h09m34s
